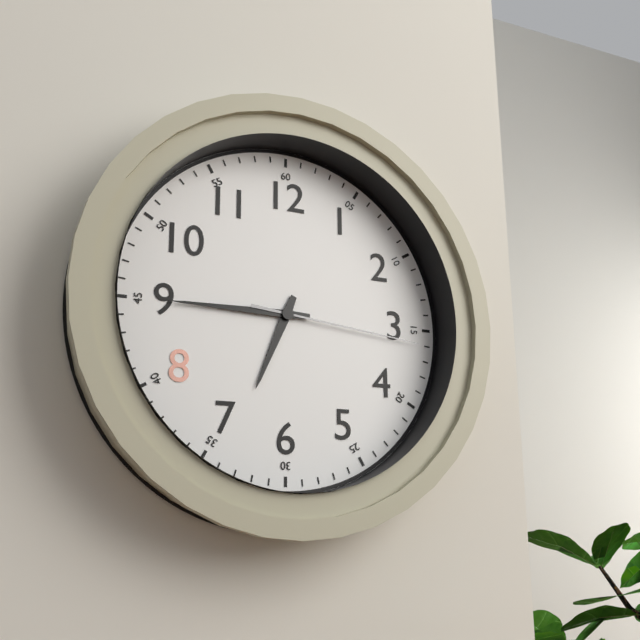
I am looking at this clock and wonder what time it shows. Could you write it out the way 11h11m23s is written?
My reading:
6h45m16s
